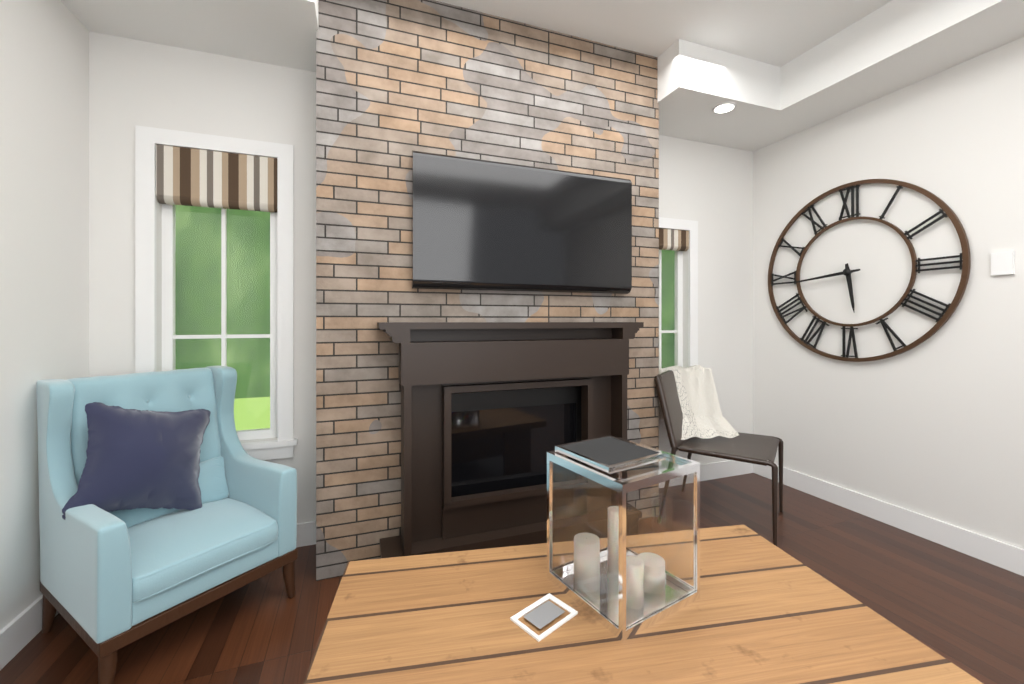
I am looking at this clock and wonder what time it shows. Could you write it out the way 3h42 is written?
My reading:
5h44
